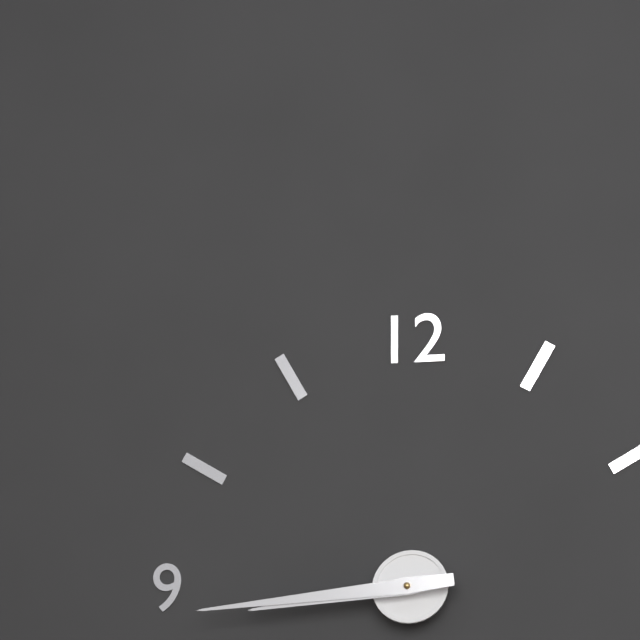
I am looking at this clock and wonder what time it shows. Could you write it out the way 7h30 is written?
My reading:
8h44
